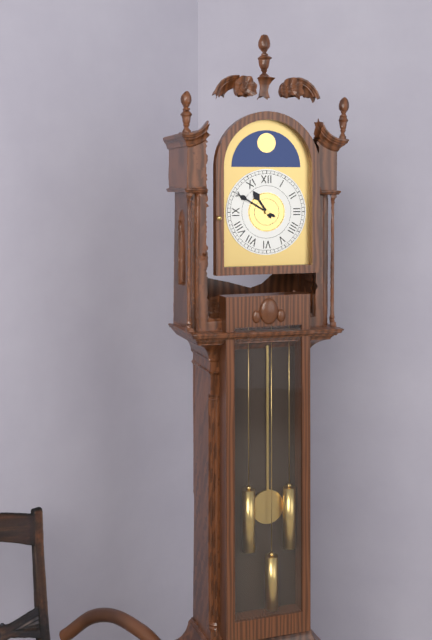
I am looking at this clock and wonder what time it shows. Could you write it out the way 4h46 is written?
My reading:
10h50
